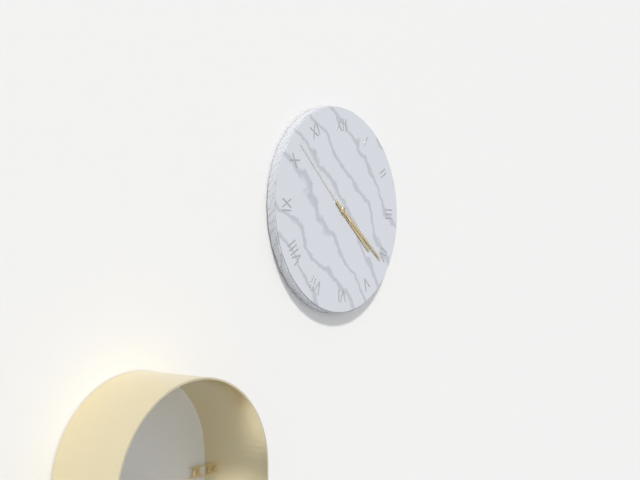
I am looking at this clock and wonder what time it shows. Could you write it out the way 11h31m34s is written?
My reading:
4h21m52s
